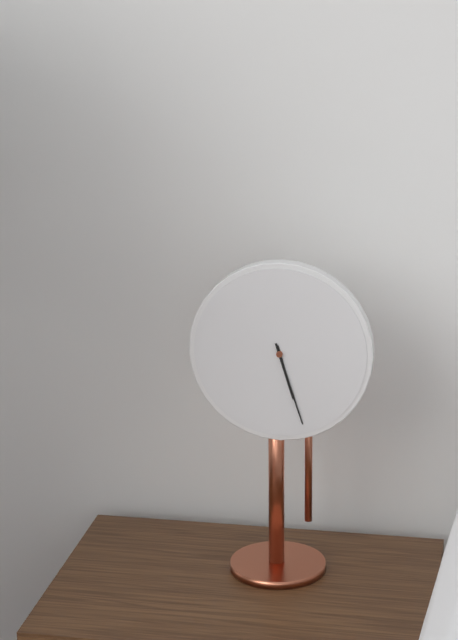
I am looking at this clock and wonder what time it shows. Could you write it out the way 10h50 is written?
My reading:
5h27
